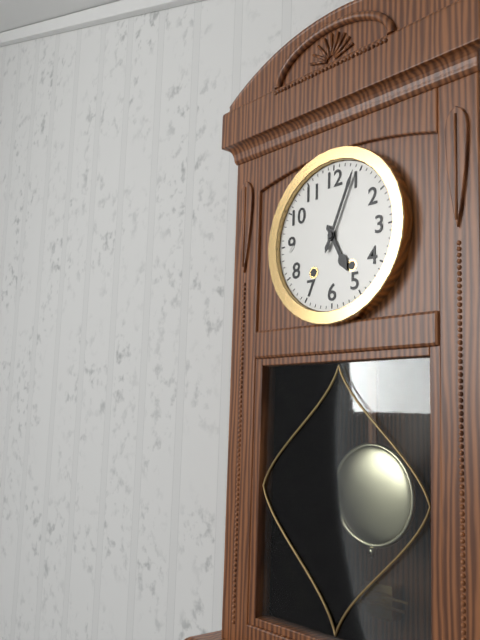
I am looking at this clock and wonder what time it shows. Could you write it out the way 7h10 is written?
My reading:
5h04
